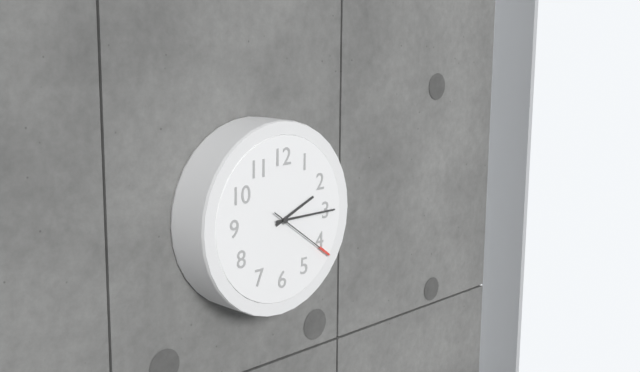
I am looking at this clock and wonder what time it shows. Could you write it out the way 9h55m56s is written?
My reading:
2h15m21s
